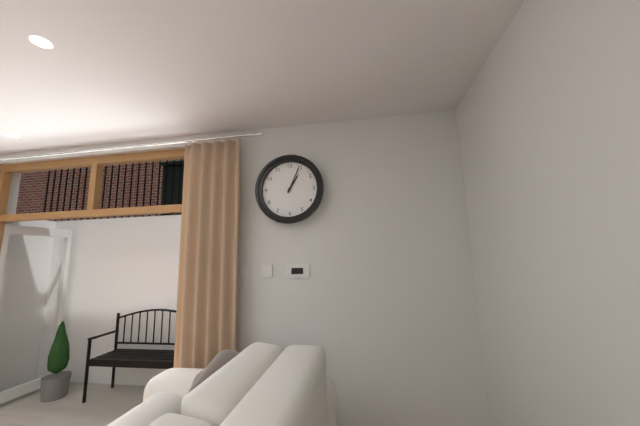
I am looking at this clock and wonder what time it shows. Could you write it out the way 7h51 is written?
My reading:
1h04
